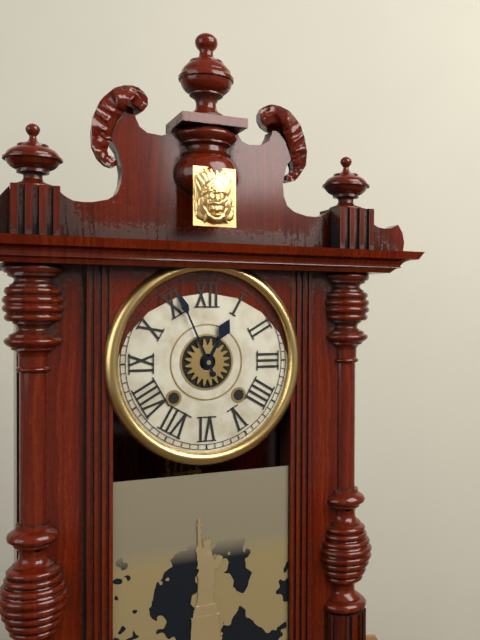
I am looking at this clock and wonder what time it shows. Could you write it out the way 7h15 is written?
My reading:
12h56
